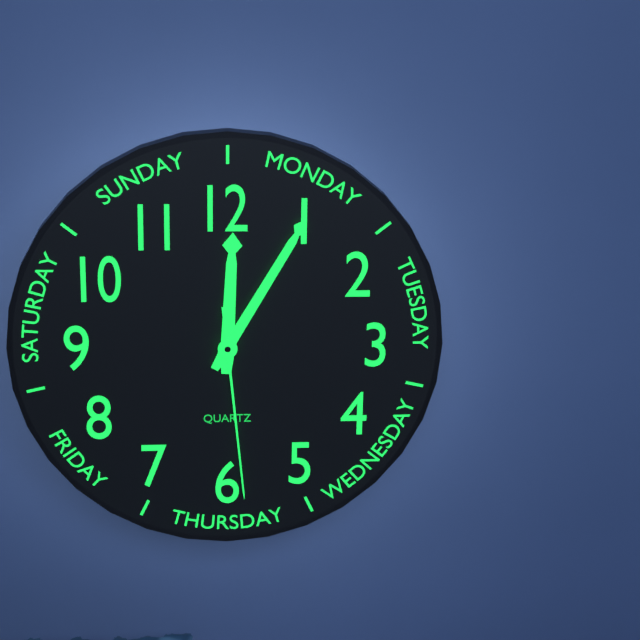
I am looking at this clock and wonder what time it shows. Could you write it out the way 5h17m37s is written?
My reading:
12h05m29s
